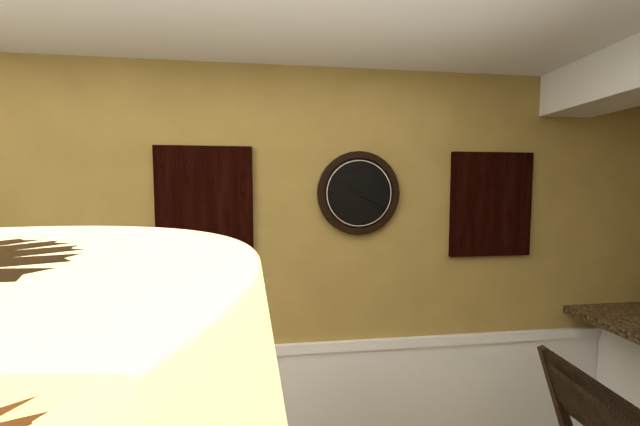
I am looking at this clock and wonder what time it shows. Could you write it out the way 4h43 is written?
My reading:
2h20
